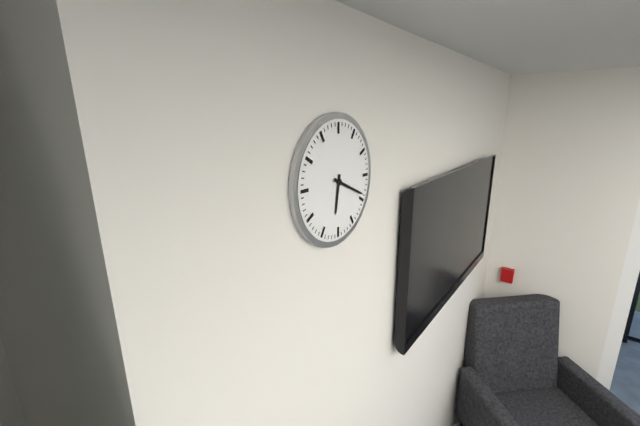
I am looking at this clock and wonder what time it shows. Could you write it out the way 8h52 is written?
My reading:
6h19
